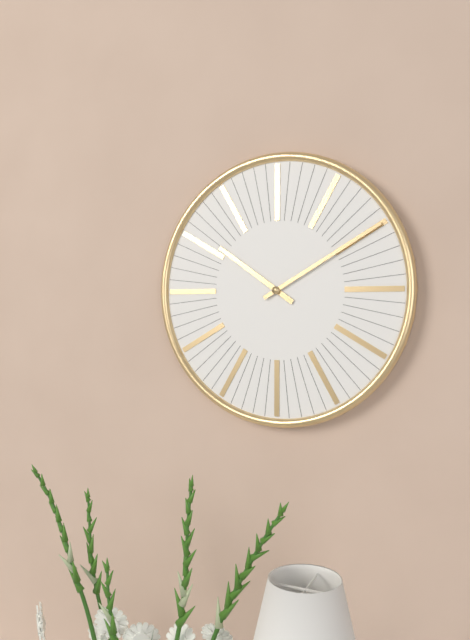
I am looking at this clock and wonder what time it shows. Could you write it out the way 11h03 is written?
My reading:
10h10
